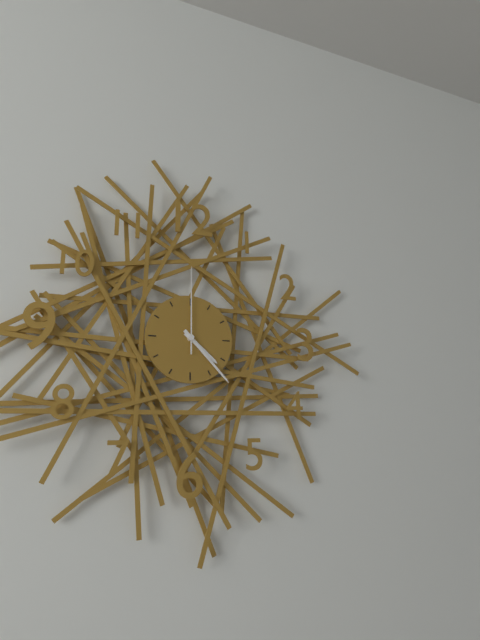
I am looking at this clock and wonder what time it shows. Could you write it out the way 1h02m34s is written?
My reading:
4h23m00s
